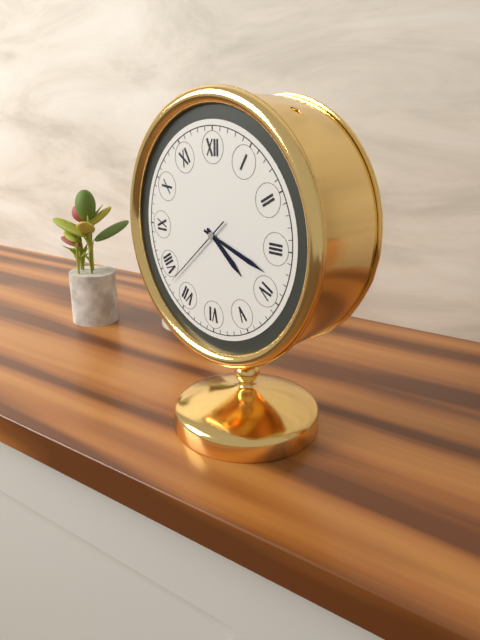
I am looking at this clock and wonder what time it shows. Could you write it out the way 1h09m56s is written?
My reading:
4h18m38s
